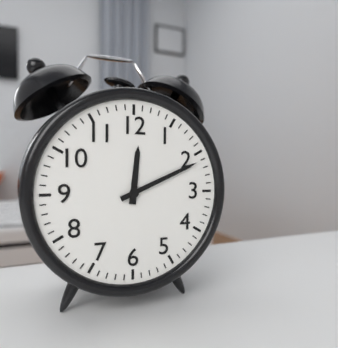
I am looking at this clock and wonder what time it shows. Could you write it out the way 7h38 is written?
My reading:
12h11
